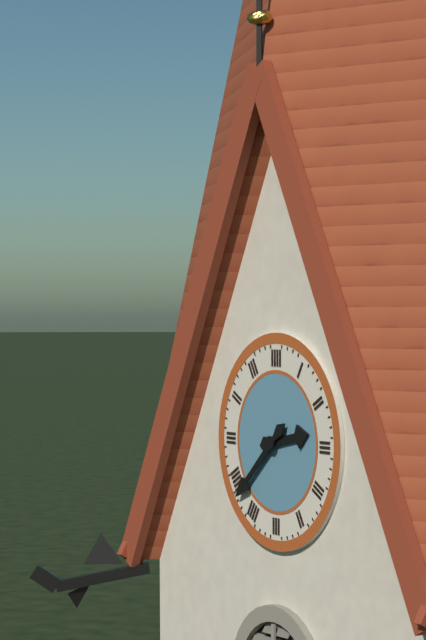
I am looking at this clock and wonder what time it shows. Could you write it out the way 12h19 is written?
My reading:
2h38
